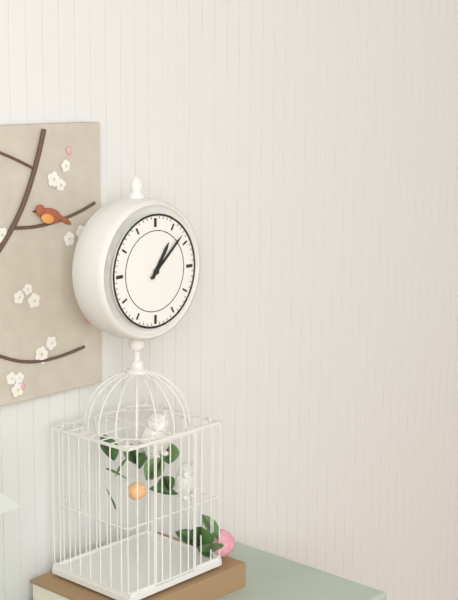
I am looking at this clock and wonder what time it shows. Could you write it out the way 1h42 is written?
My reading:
1h08
